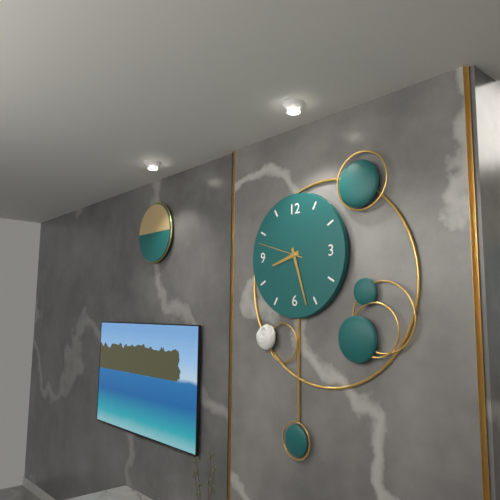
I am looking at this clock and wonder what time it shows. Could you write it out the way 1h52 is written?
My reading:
8h27
